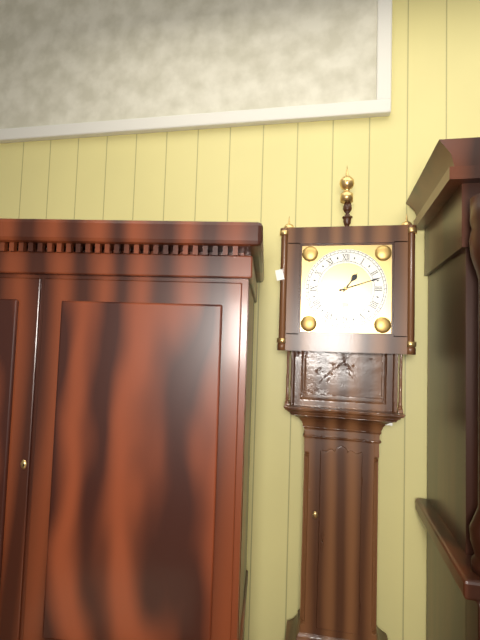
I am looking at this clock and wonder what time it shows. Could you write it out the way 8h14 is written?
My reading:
1h12
